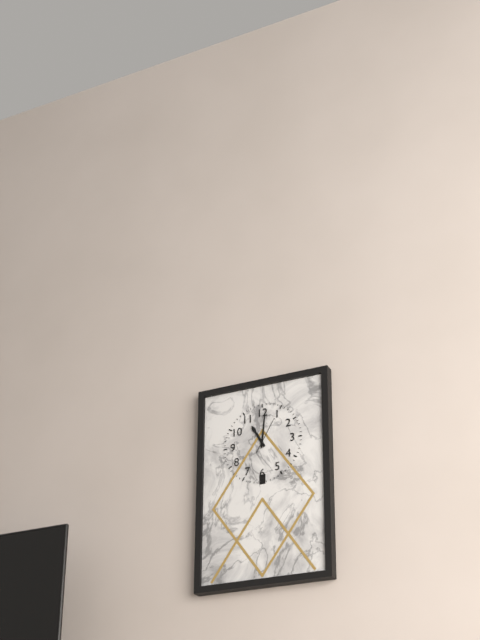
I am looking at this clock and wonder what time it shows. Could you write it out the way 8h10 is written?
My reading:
11h01
